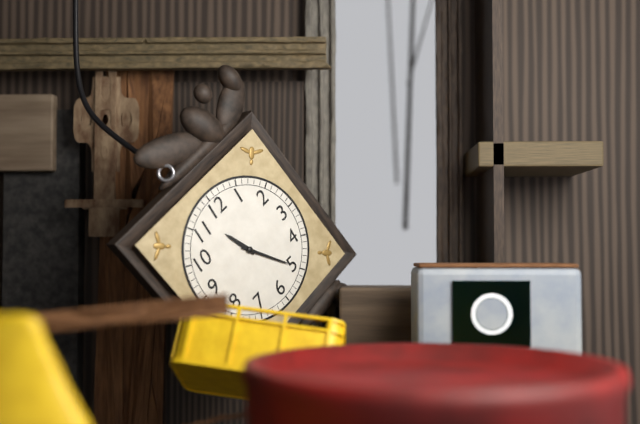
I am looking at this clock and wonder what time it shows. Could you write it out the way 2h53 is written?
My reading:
11h25
